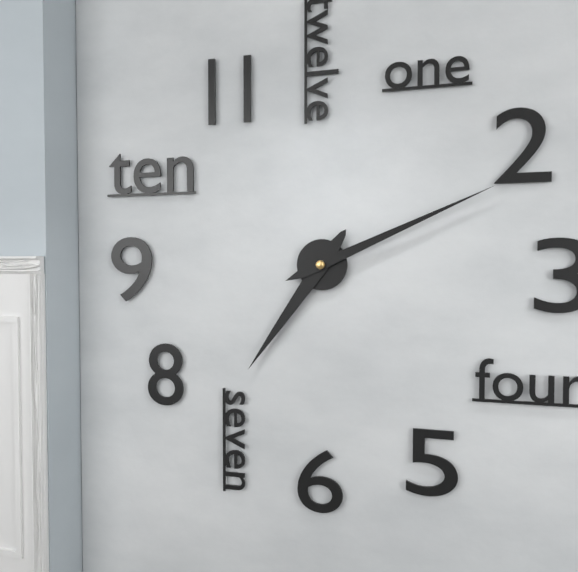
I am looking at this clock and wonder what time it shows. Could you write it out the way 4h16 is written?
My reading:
7h11
